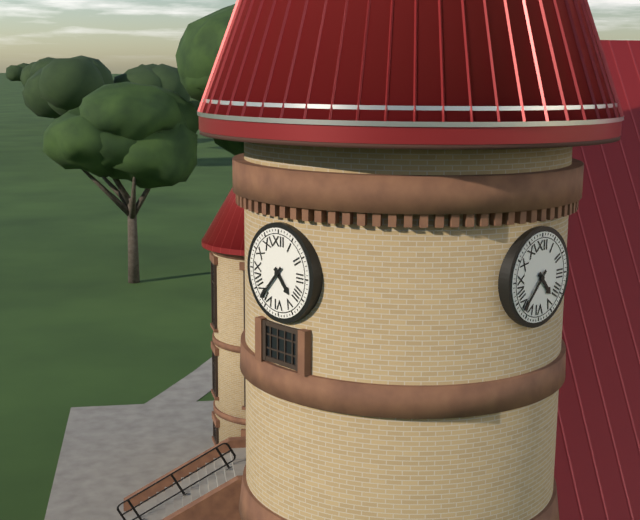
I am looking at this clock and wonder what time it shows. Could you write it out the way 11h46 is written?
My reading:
4h37
